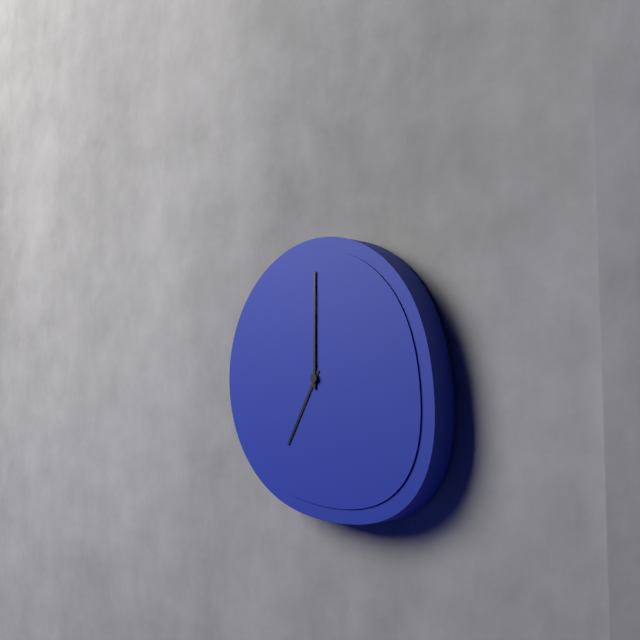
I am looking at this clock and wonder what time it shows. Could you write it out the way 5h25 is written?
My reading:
7h00
